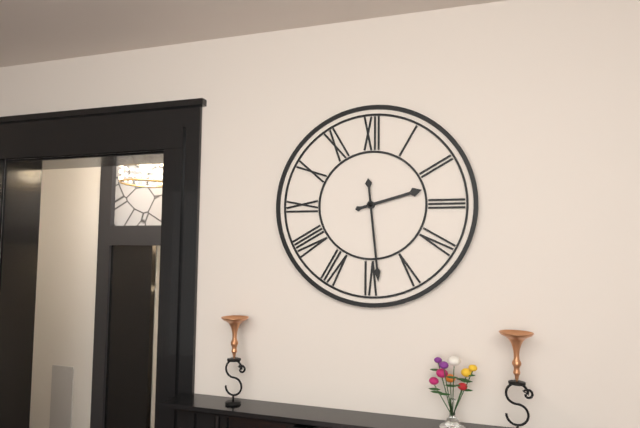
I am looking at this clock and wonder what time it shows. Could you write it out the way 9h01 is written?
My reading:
2h29
